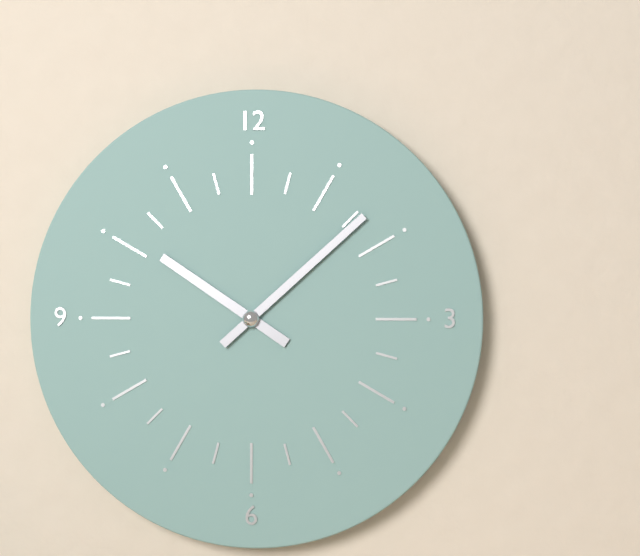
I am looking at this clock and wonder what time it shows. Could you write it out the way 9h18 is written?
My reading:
10h08
